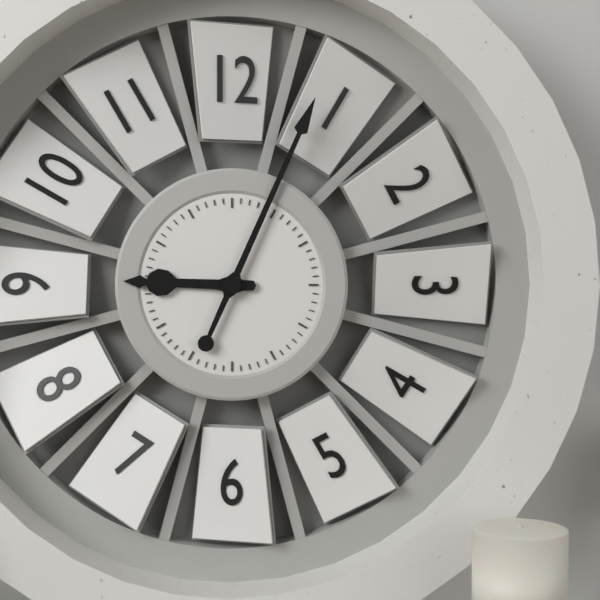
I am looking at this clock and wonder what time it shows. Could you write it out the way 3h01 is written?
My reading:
9h04
